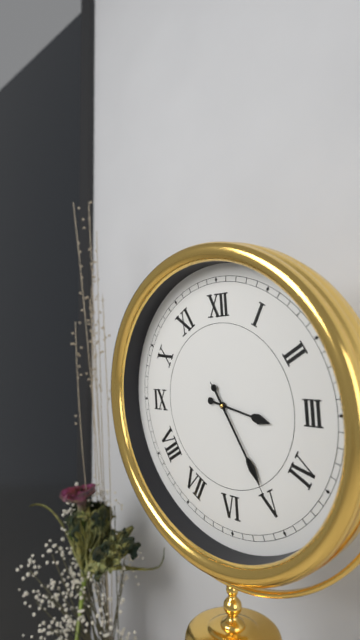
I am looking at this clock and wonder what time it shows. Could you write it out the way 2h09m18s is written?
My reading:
3h25m25s
